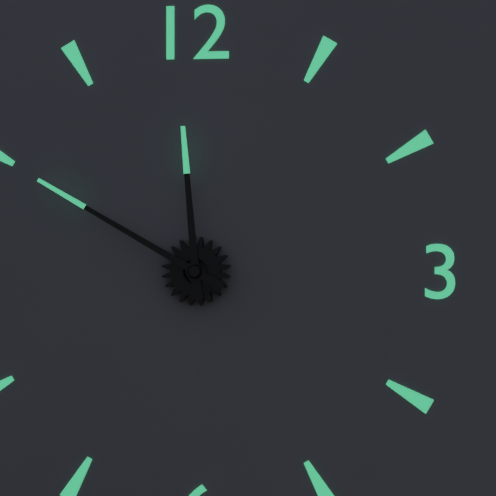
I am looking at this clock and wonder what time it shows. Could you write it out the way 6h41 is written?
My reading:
11h50
